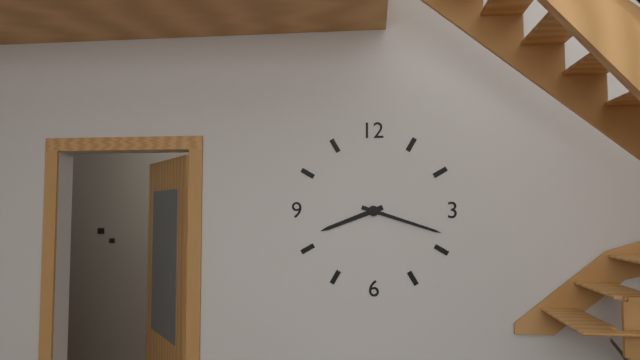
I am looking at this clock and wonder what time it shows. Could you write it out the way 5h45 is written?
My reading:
8h18
